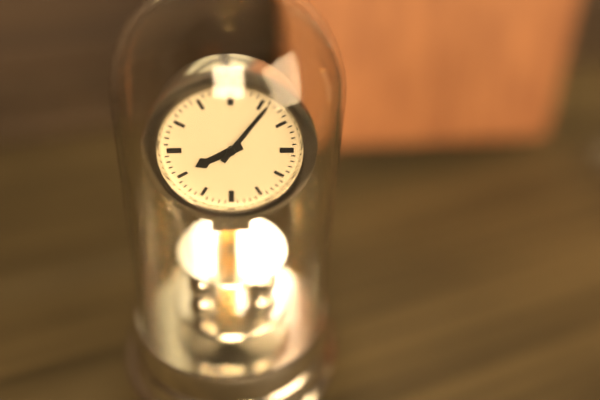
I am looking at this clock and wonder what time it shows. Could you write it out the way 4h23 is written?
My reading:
8h06
